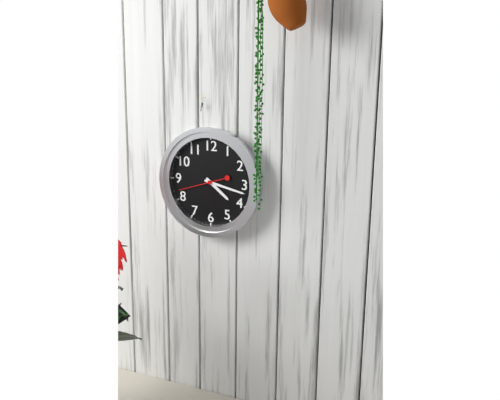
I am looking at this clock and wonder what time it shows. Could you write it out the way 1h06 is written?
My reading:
4h17
